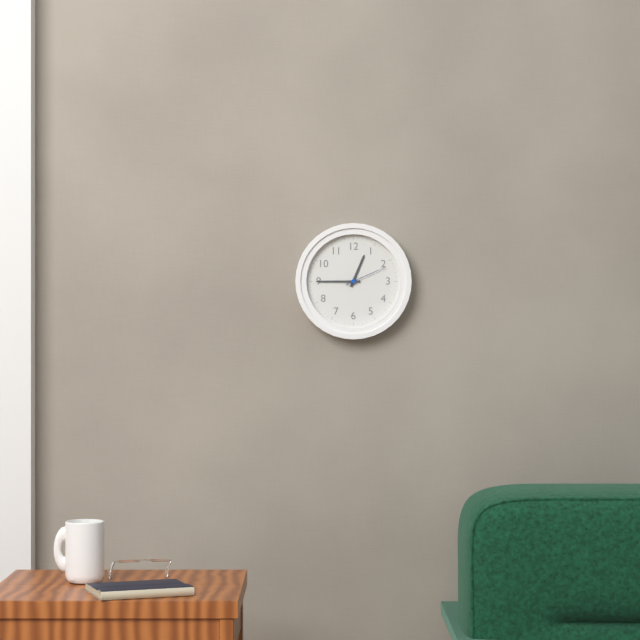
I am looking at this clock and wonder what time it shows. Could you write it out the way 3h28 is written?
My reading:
12h45
